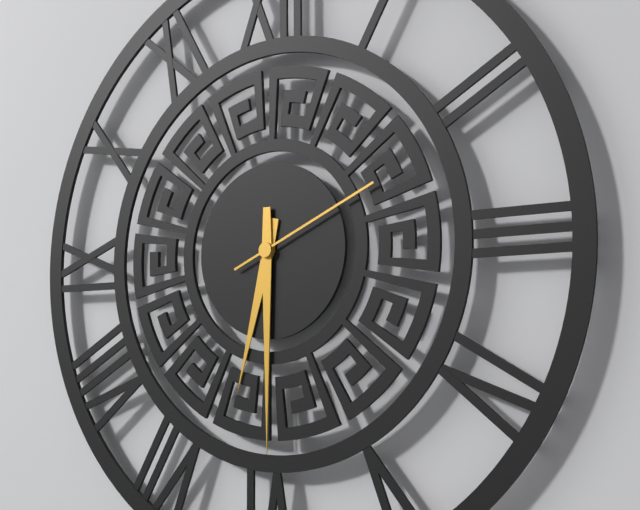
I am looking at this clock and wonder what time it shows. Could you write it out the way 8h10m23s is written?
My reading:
6h30m11s
